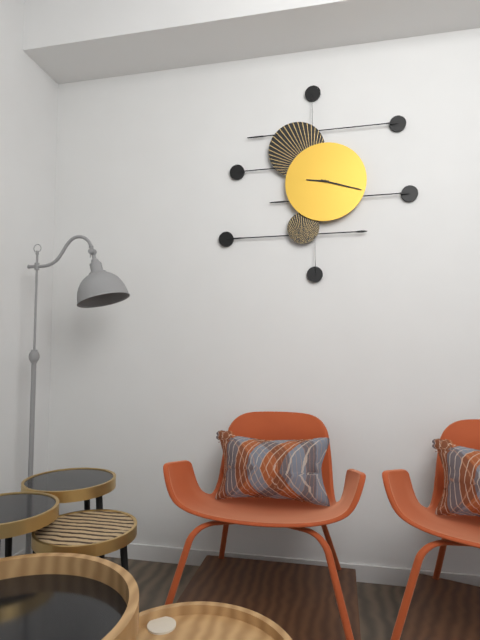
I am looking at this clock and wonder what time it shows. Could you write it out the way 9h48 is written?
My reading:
9h18
